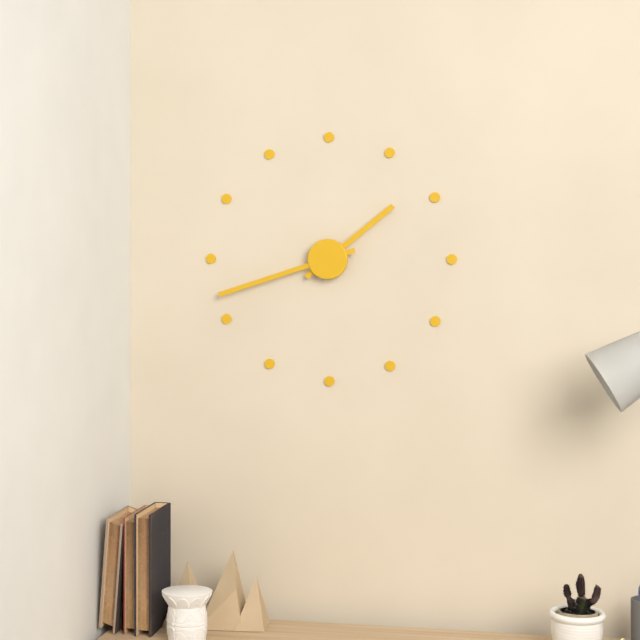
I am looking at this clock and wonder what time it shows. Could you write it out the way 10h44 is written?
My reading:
1h42
